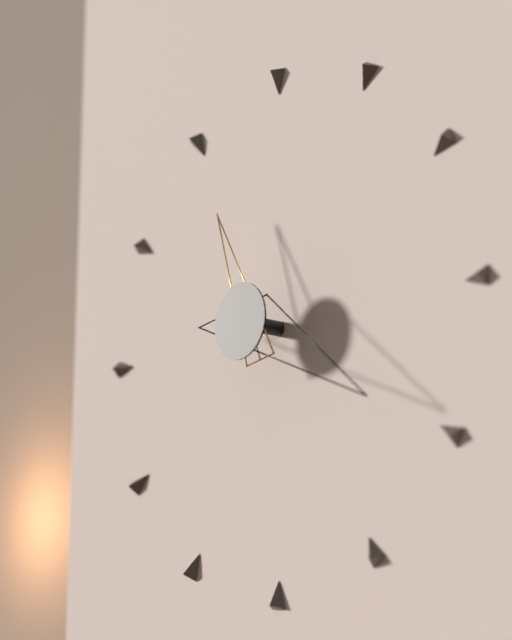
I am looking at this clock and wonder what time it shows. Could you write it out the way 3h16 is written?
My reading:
11h20
